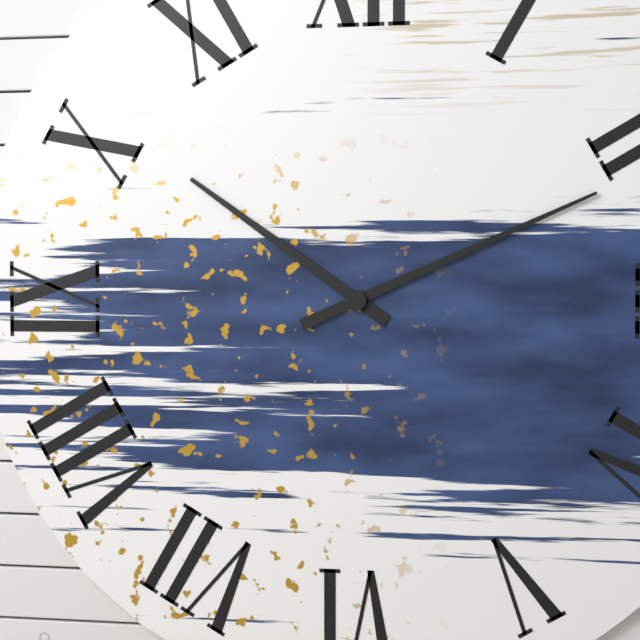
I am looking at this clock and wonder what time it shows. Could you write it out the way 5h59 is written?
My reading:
10h11
